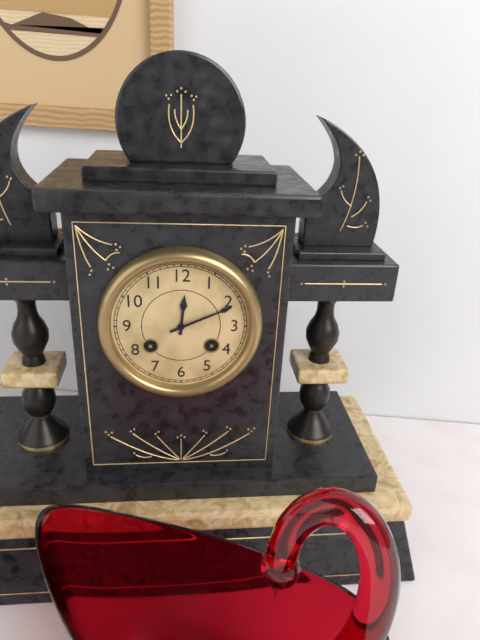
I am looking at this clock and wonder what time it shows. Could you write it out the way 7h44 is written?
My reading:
12h11
